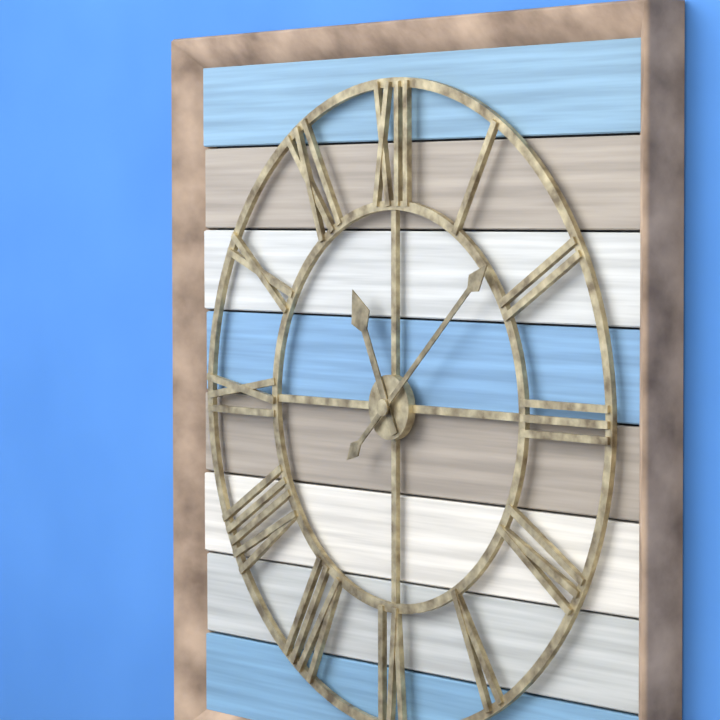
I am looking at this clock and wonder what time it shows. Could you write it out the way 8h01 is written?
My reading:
11h08
